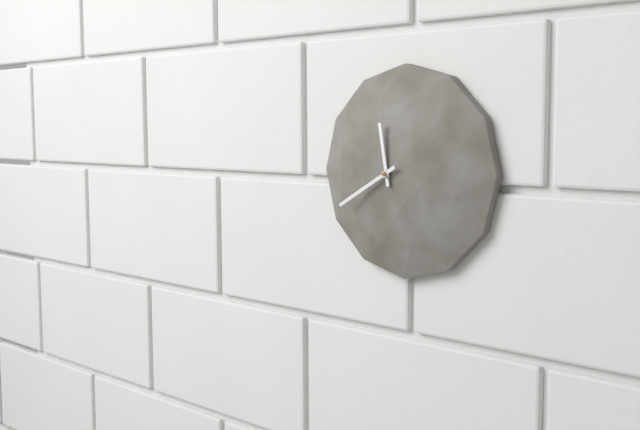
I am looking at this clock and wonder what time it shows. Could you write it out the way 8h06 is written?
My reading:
11h40
